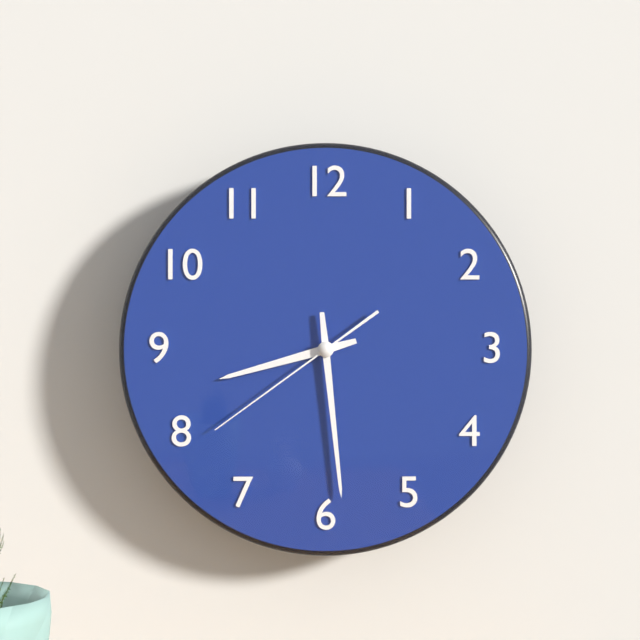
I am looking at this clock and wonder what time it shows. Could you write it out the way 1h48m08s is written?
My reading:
8h29m39s
